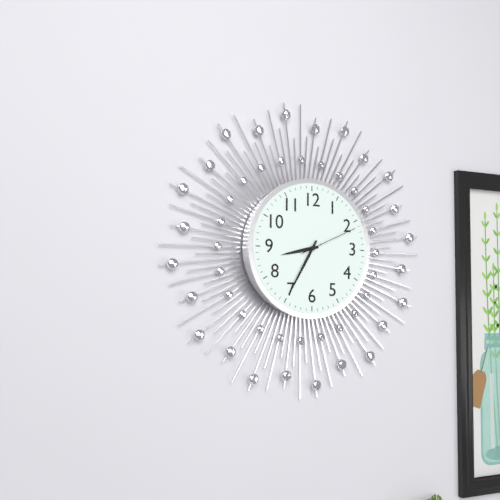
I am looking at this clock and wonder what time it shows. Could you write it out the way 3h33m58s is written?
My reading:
8h35m11s
